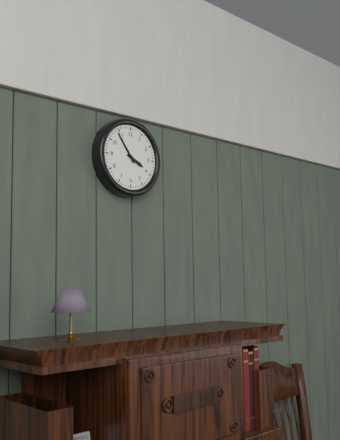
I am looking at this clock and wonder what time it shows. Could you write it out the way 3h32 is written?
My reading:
3h54
